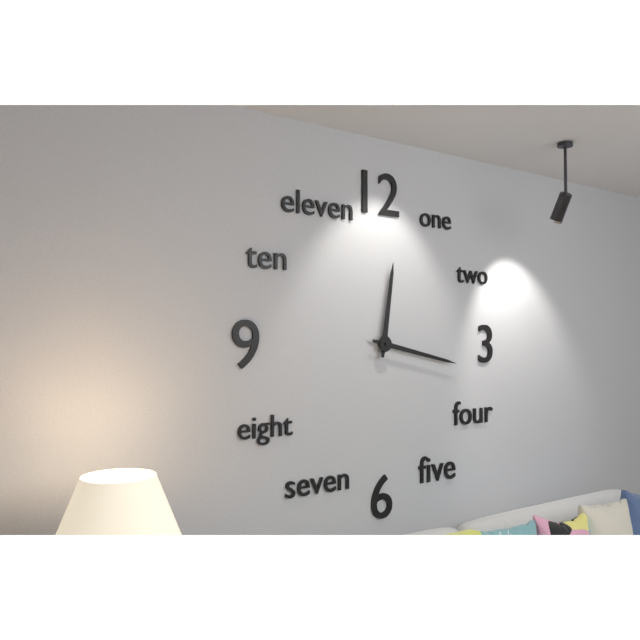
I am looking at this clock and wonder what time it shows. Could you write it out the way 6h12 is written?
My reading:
12h17
